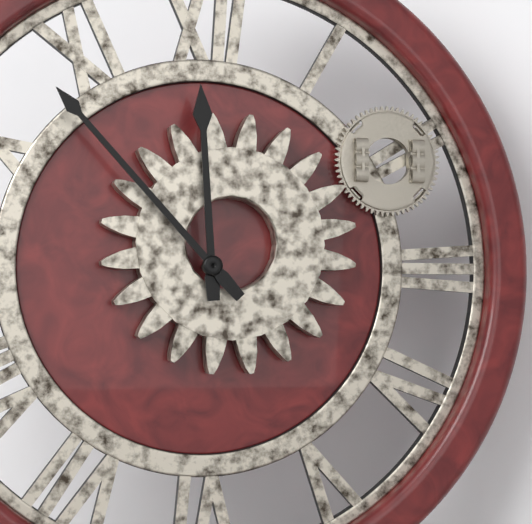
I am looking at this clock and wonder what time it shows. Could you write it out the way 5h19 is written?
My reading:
11h53
